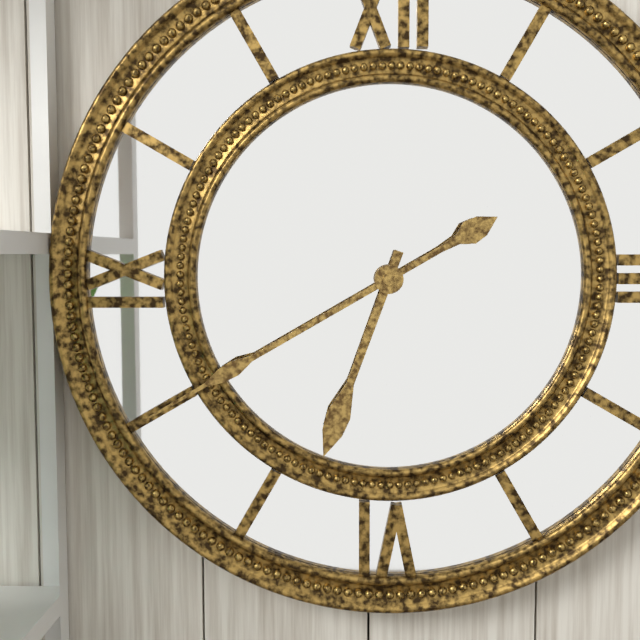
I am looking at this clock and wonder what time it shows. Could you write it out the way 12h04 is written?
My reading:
6h40
